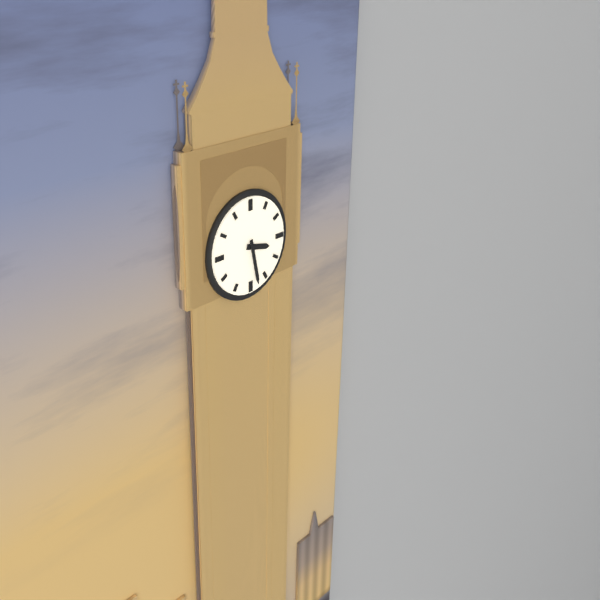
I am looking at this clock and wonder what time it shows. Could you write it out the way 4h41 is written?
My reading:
3h28
